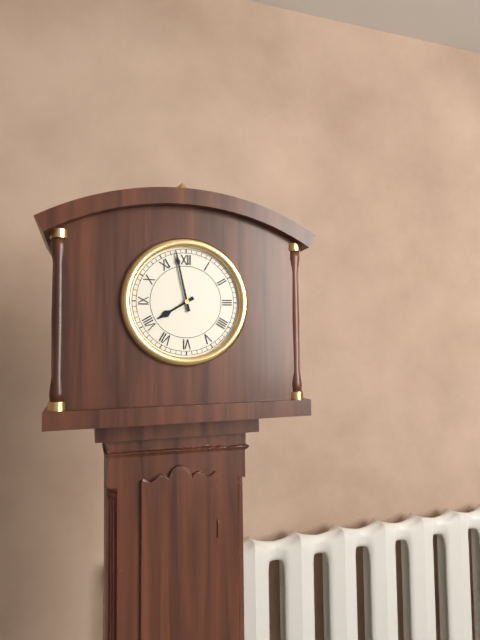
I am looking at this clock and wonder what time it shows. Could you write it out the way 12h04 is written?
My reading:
7h58
